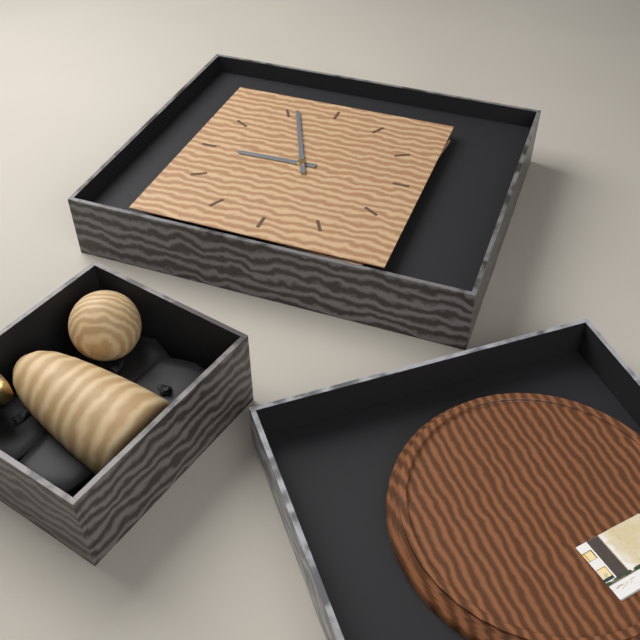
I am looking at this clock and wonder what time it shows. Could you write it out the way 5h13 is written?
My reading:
8h56
